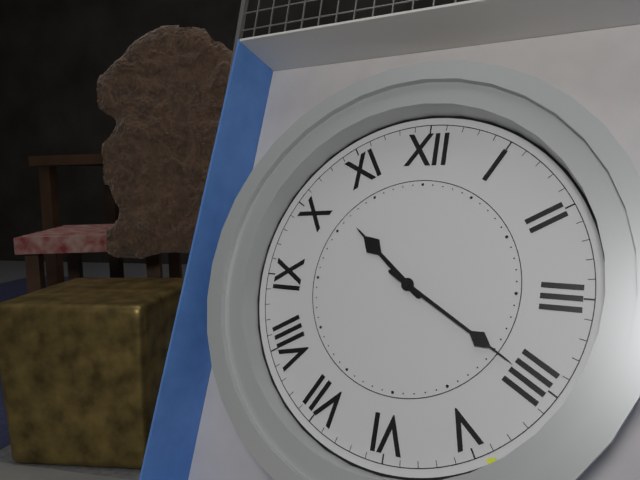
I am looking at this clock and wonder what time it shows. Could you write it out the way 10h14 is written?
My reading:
10h20
